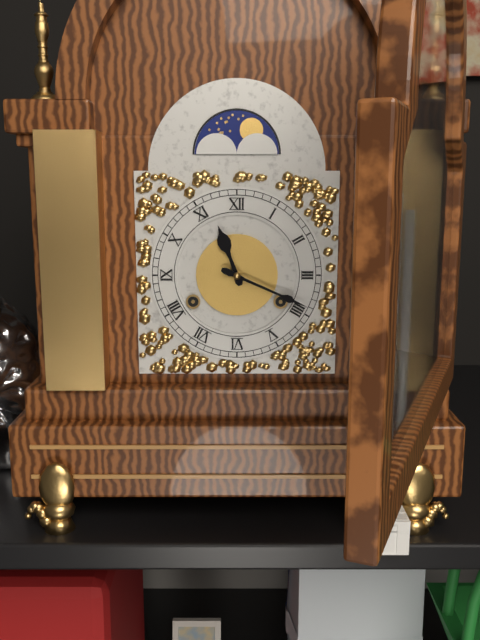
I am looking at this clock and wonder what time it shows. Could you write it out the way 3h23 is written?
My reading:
11h19
